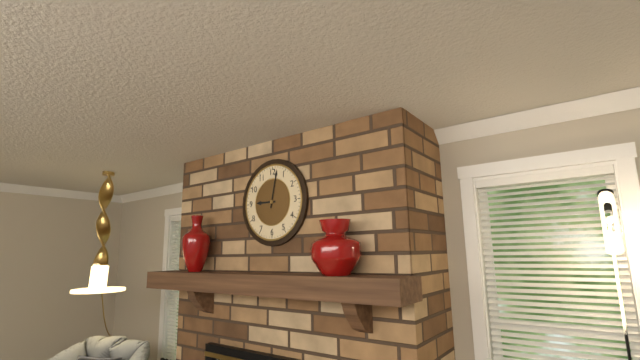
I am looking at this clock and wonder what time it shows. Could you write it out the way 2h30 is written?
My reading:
9h02
